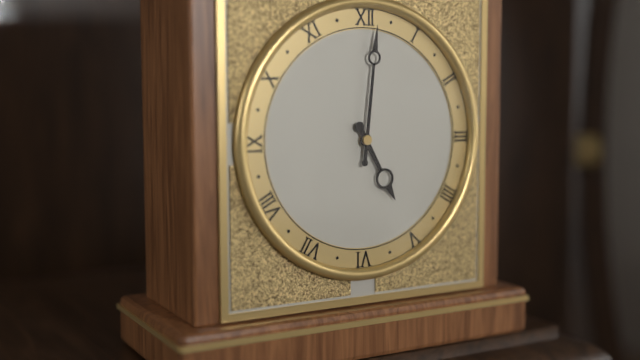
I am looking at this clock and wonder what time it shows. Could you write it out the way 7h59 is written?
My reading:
5h01
